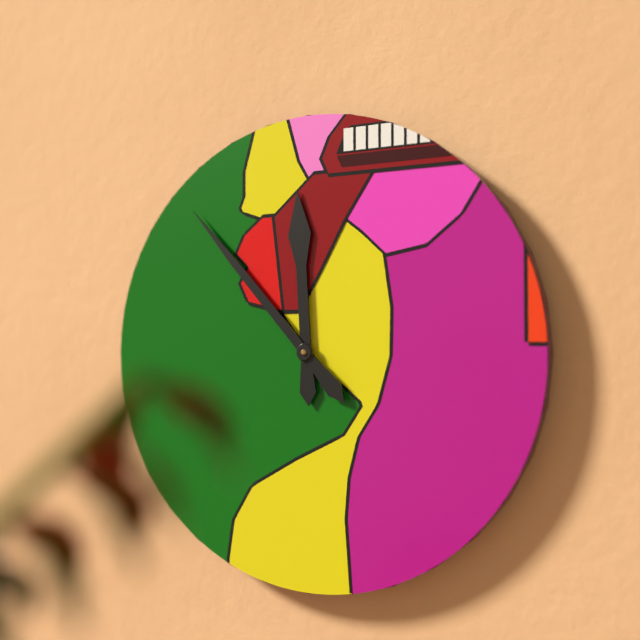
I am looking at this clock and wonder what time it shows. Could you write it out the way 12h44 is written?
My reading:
11h53
